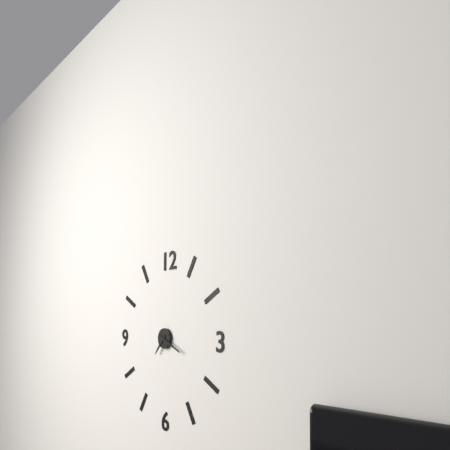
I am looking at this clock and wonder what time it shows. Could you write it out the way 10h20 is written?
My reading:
7h19
